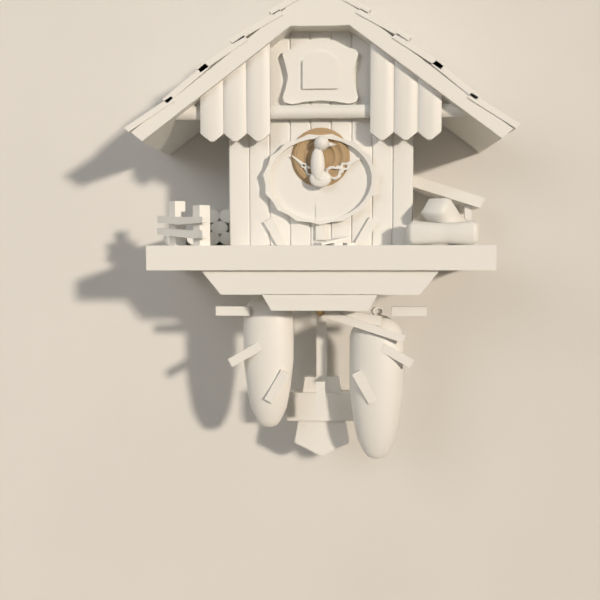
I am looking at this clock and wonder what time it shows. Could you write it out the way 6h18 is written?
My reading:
3h18
